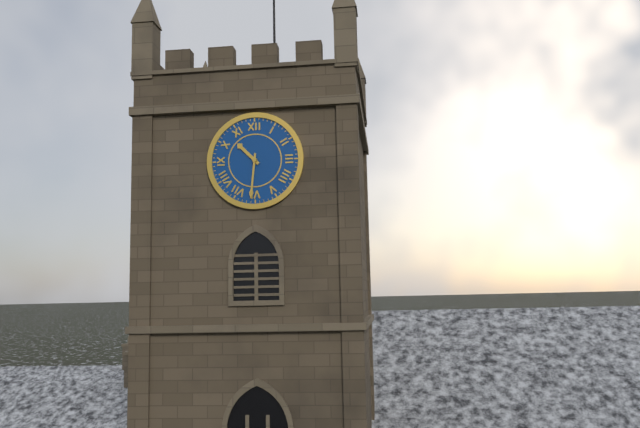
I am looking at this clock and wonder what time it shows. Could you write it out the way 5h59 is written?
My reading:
10h31
